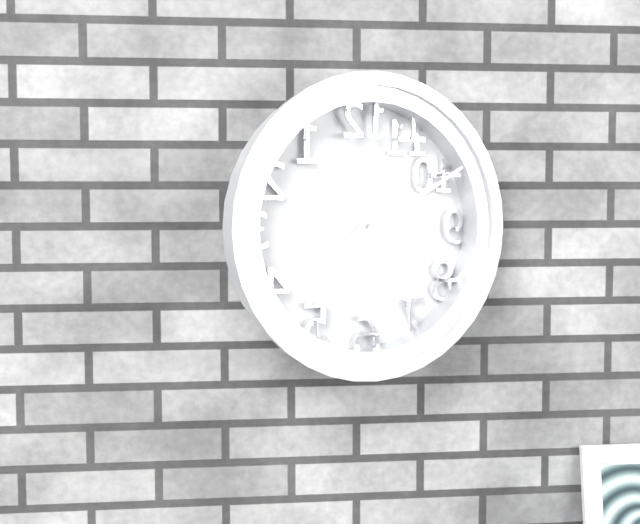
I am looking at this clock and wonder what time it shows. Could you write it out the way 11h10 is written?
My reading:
7h10
